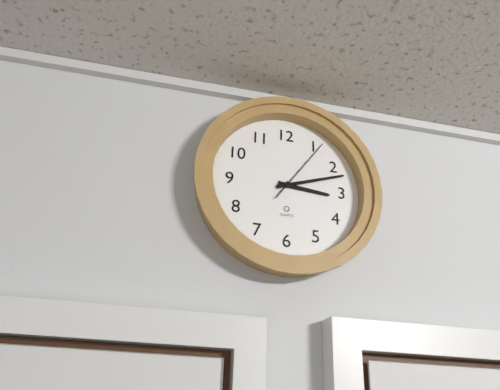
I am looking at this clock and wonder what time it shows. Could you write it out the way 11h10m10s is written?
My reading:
3h12m06s
